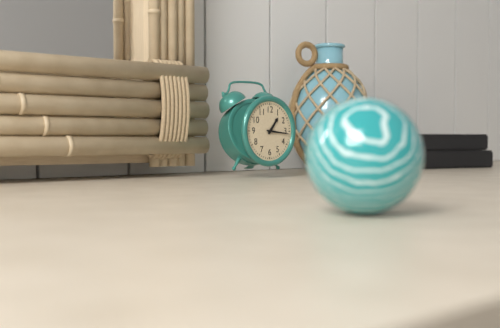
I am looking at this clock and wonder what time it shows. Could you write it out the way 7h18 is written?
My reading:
1h16
